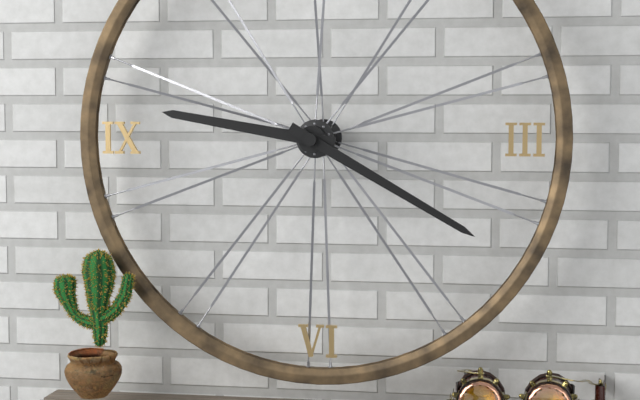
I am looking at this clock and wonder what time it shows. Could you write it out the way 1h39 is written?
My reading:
9h20
